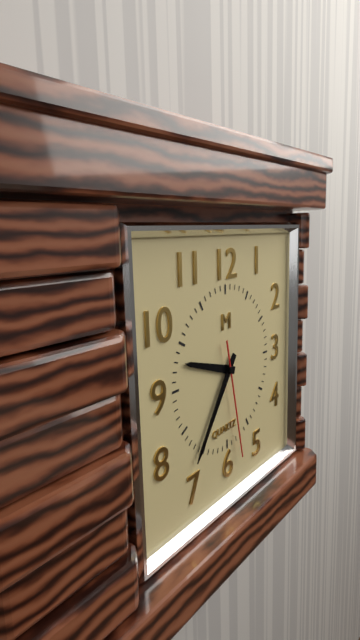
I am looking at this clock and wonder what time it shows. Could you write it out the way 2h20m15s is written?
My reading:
9h36m28s
